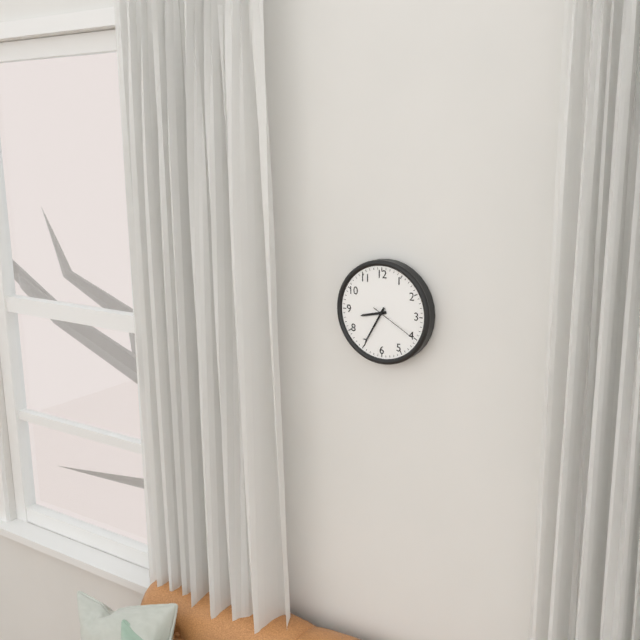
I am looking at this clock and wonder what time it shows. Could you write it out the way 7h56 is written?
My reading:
8h35
